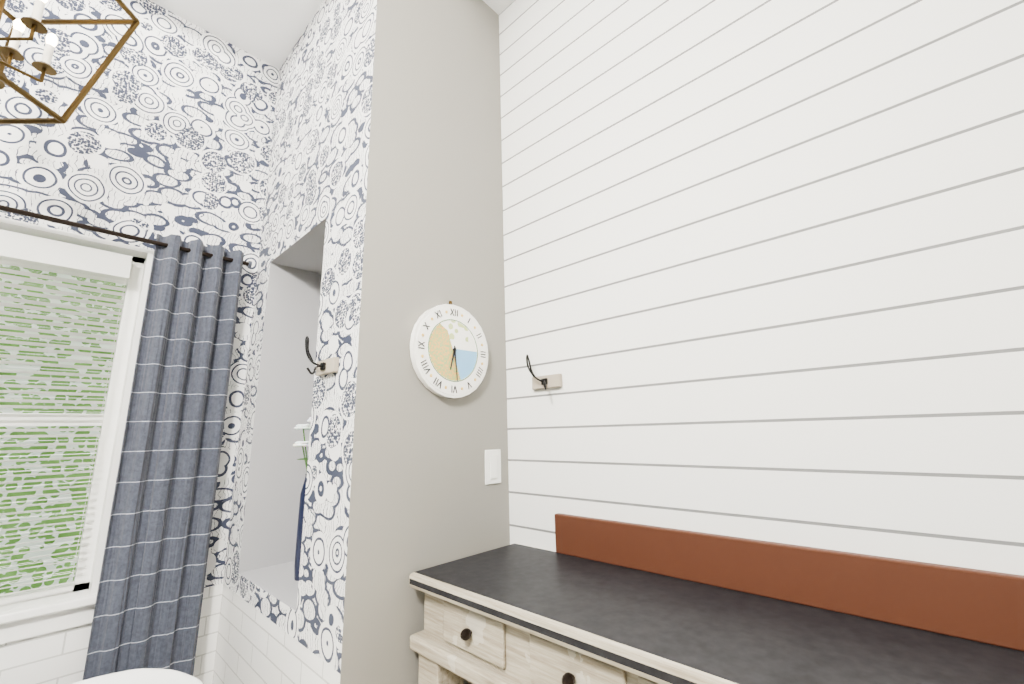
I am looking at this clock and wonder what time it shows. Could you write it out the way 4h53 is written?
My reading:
6h29
